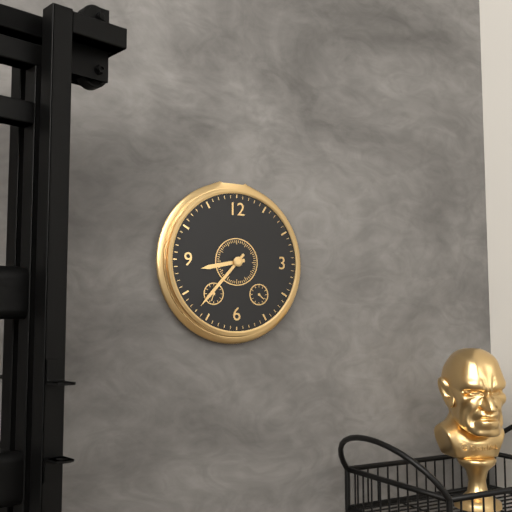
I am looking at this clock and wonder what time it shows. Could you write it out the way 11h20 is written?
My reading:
8h37
